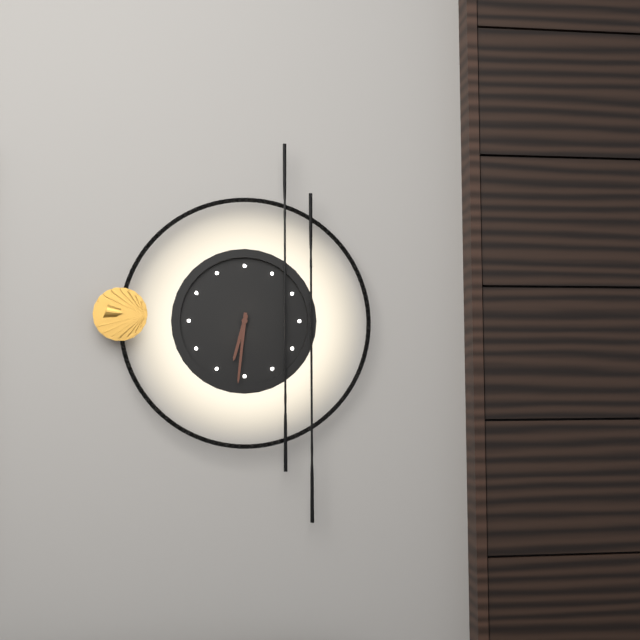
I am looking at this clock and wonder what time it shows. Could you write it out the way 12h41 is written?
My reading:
6h31
